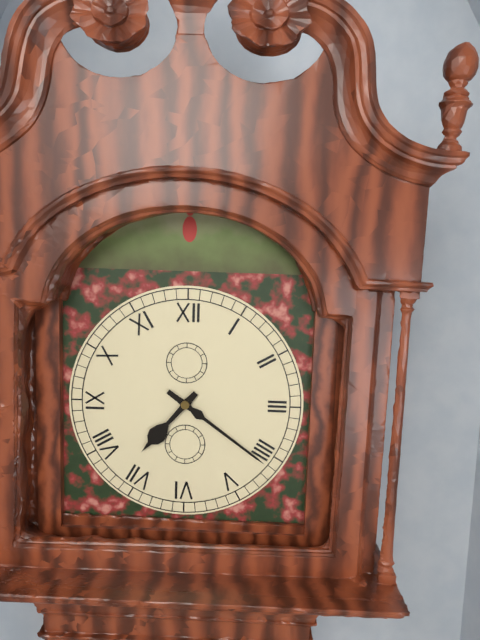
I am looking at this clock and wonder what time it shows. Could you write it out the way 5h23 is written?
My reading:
7h21
